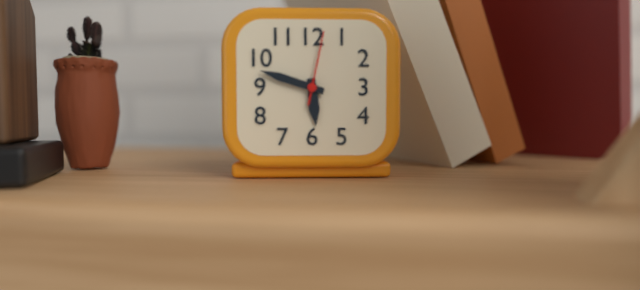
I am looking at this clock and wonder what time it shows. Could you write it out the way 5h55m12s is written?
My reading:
5h48m02s
